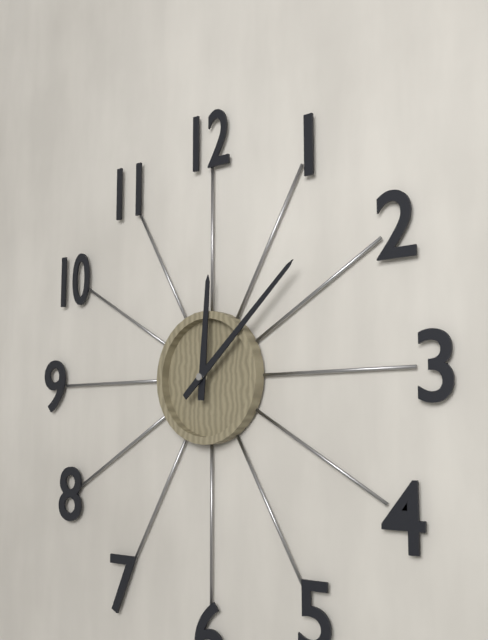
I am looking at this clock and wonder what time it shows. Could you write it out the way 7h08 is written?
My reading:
12h08
